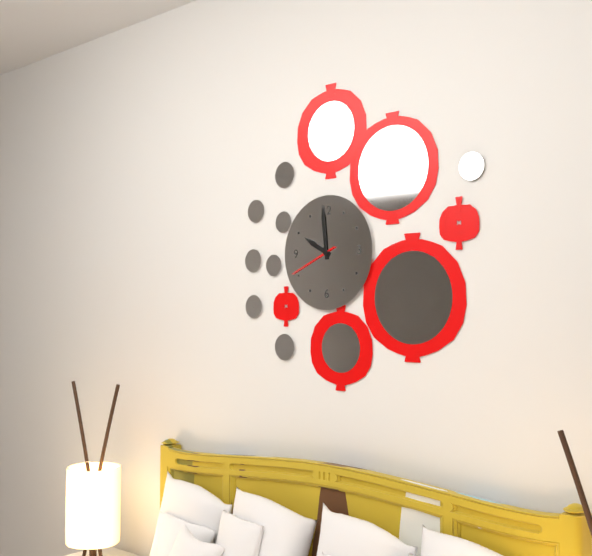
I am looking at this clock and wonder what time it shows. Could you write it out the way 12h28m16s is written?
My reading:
9h59m41s
